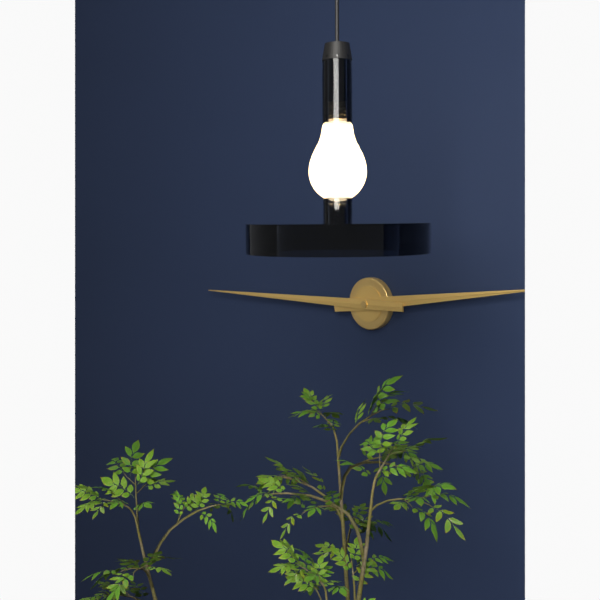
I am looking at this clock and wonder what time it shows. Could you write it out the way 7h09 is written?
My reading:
2h45
